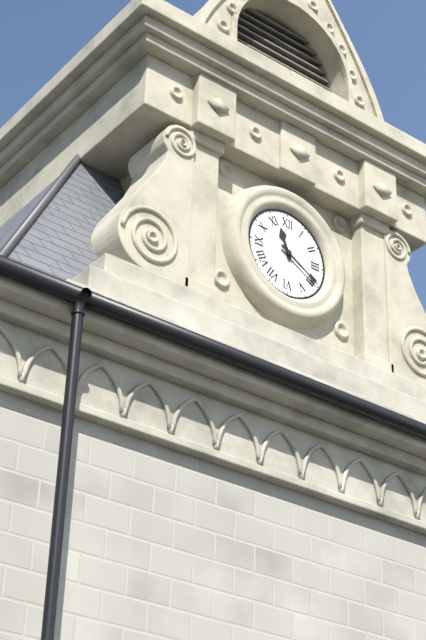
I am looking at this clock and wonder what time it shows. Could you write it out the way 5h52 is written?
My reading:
11h20
